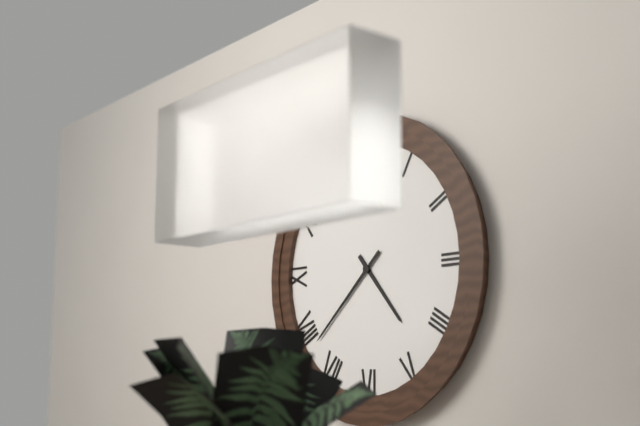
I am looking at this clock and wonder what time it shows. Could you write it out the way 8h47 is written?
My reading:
4h38
